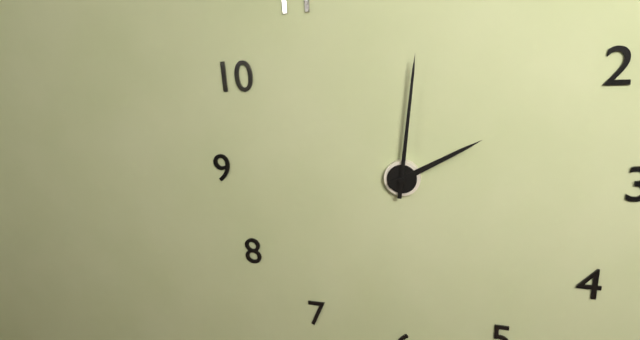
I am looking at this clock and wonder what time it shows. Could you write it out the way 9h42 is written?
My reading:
2h01
